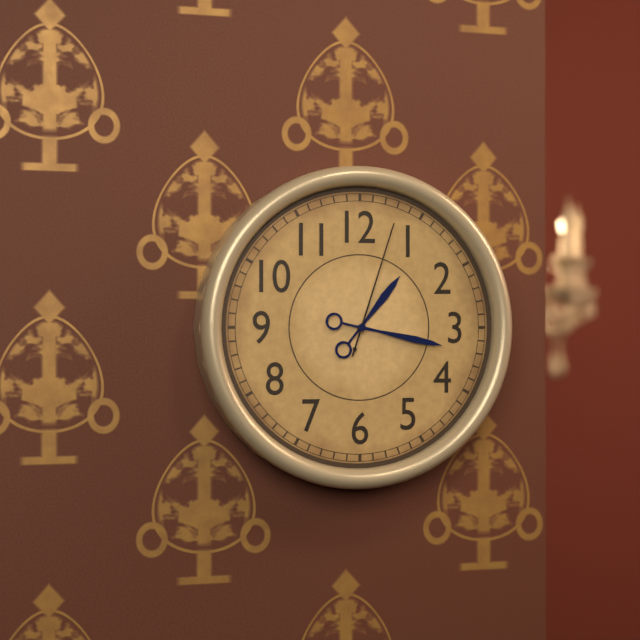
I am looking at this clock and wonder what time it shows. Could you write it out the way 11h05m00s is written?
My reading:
1h17m03s
